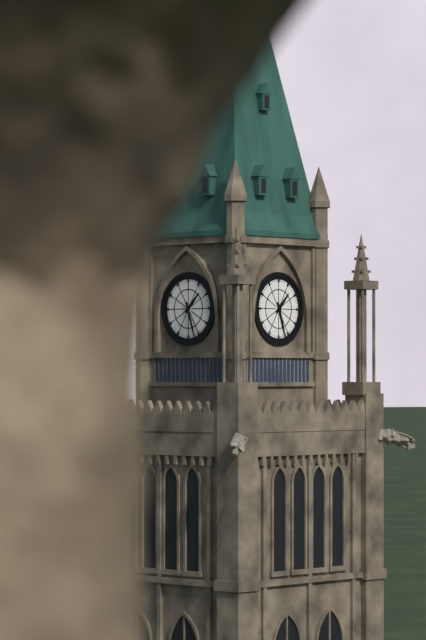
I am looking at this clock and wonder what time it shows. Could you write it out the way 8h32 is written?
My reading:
1h27
